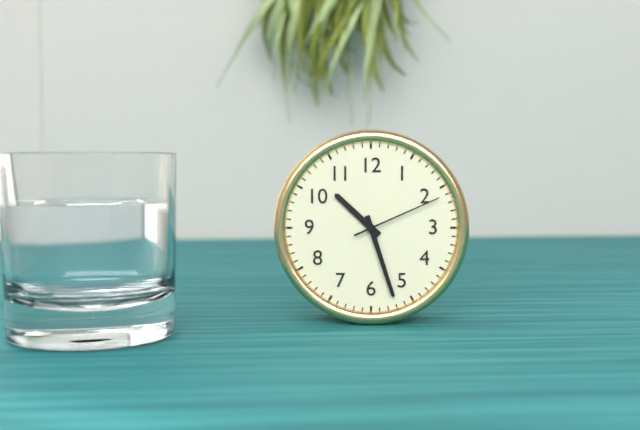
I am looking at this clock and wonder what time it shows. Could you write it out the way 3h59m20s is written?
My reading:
10h27m11s
